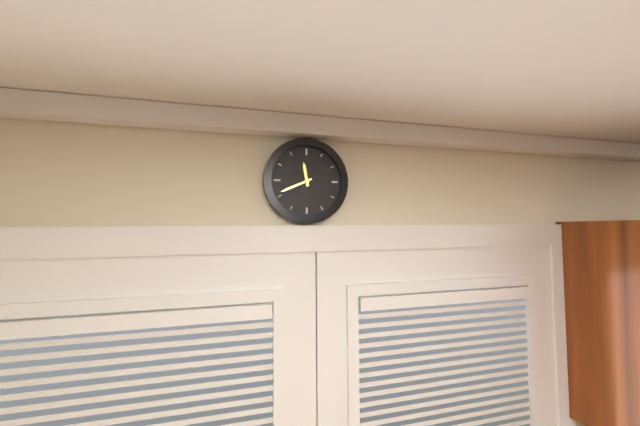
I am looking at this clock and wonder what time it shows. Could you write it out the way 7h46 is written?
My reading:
11h41
